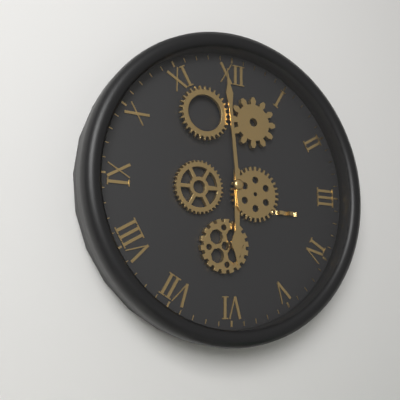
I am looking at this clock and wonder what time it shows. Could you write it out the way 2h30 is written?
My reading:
5h59
